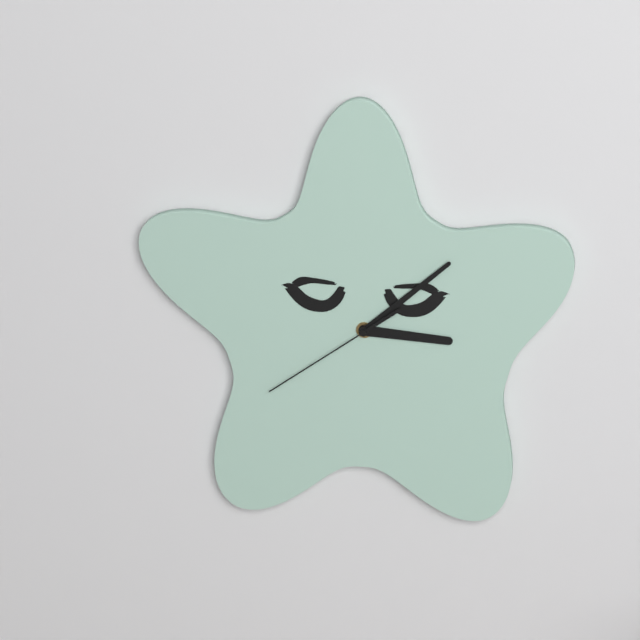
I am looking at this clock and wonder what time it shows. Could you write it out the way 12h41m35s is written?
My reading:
3h08m39s
